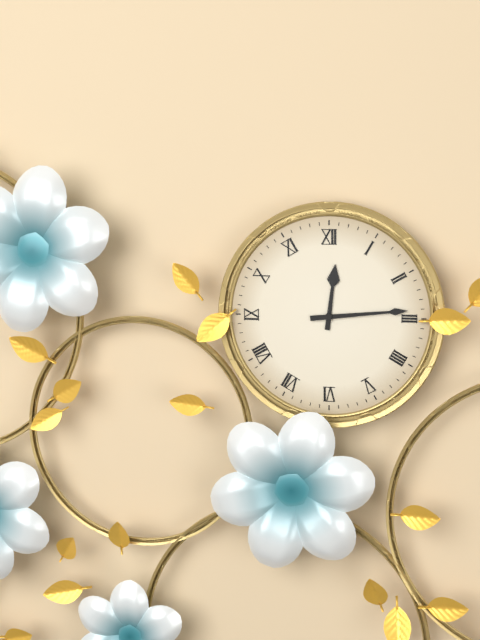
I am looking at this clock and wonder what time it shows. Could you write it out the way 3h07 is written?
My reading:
12h14
